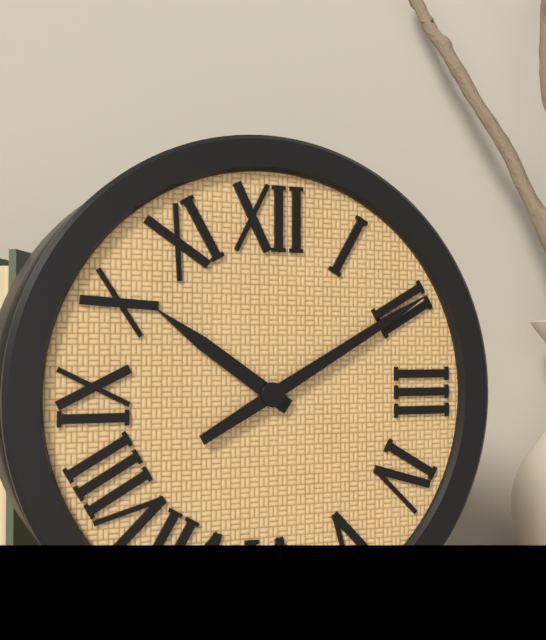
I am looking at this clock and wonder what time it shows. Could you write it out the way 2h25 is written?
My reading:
10h10
